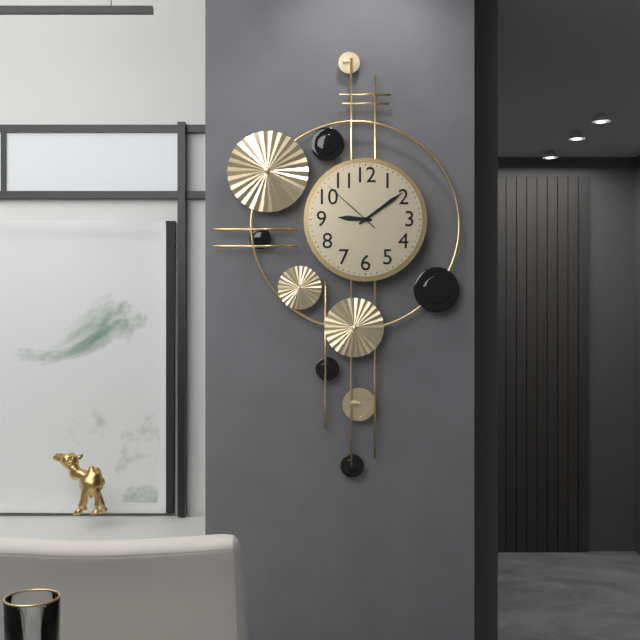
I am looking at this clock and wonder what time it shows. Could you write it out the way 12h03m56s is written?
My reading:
9h09m52s
